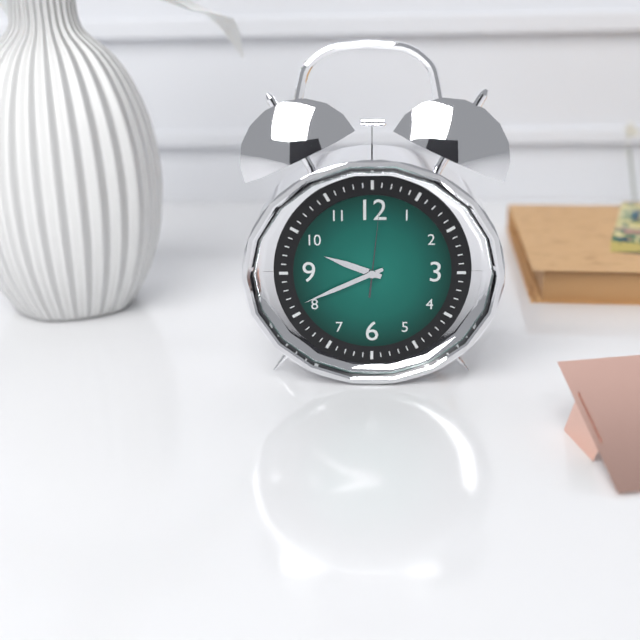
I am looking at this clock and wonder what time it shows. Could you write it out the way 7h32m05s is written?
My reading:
9h41m01s
